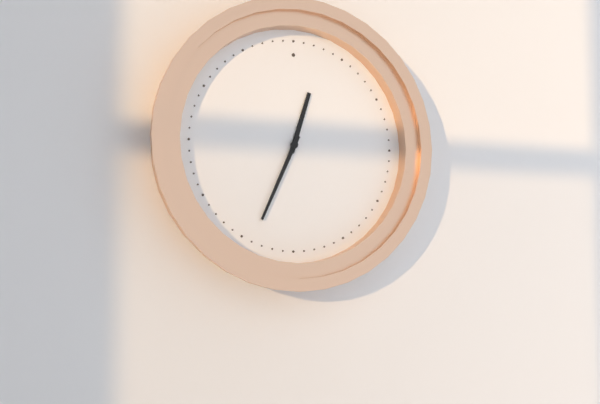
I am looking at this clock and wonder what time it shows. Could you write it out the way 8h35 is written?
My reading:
12h34
